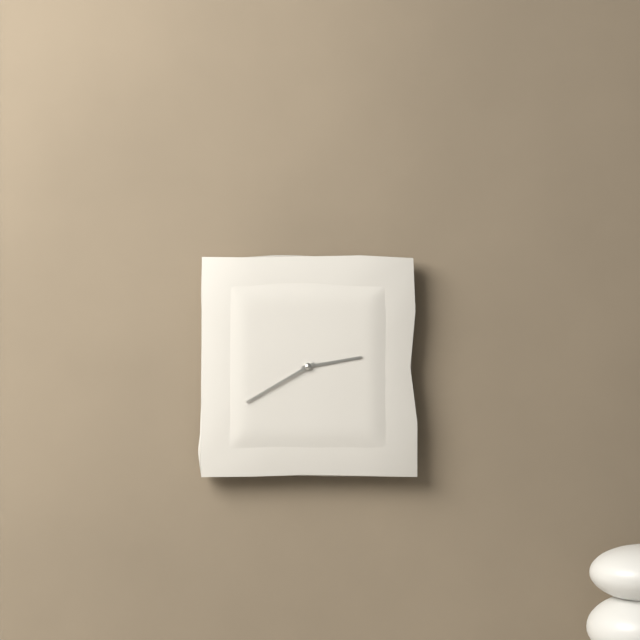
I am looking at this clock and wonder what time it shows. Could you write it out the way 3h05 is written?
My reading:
2h40
